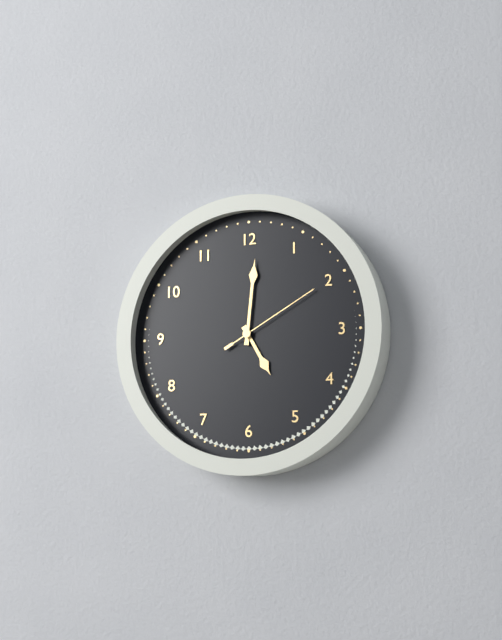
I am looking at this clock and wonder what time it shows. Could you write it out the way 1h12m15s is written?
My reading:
5h01m10s
